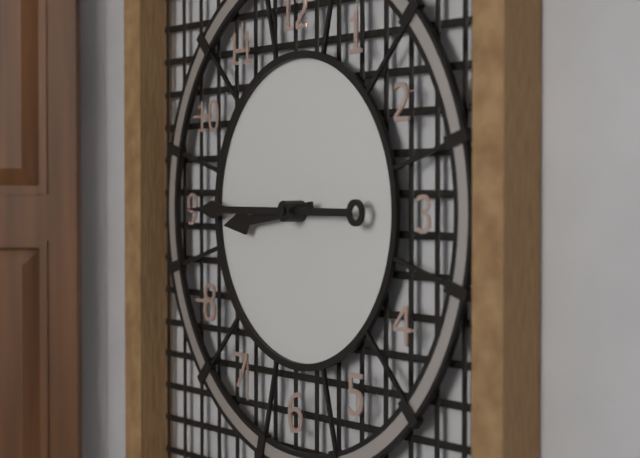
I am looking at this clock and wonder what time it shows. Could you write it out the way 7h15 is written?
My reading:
8h45
